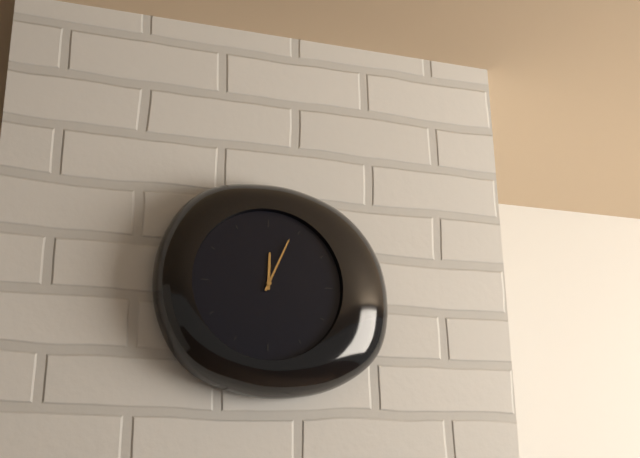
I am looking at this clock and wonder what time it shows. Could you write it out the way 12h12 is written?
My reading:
12h04
